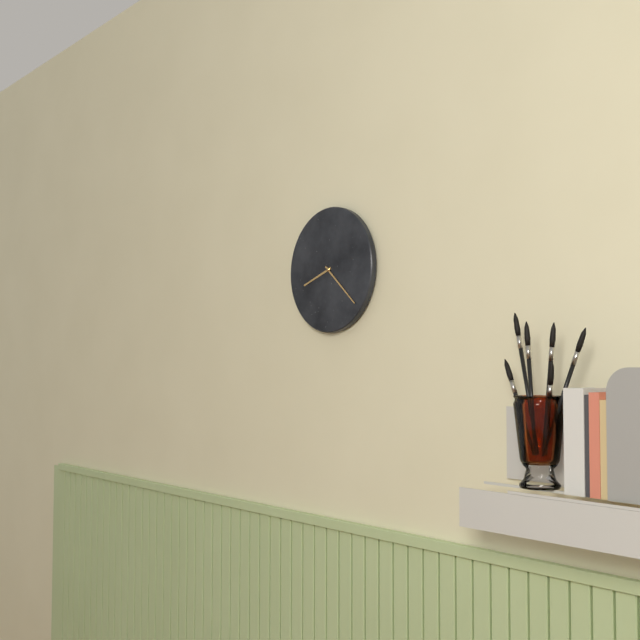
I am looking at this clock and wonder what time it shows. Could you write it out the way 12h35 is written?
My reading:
8h22
